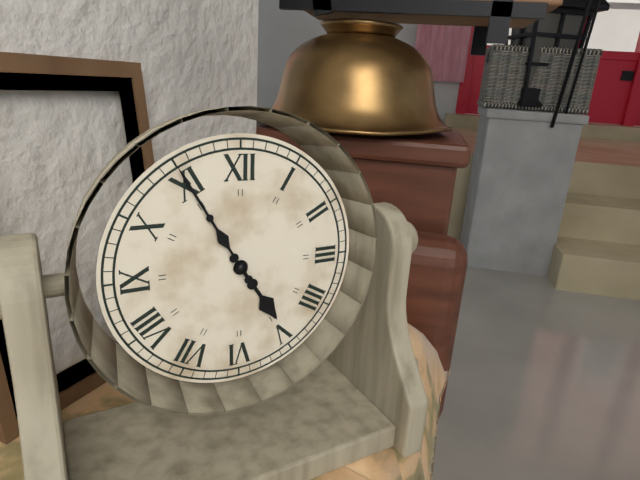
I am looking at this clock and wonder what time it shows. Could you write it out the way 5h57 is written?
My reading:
4h55
